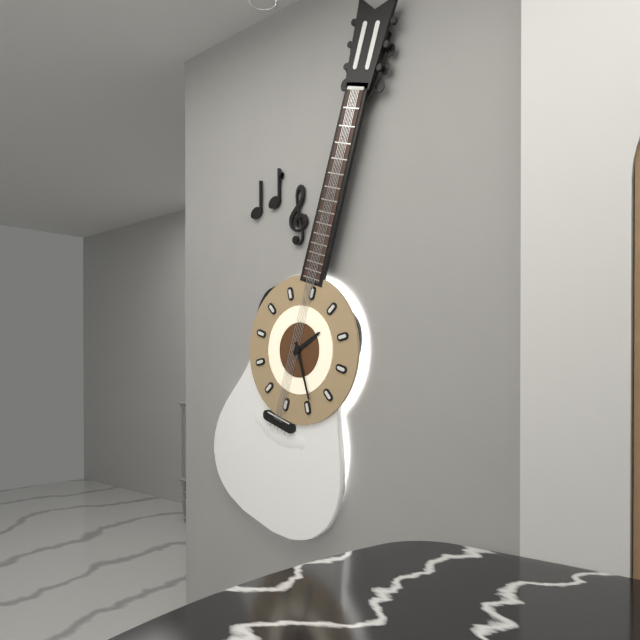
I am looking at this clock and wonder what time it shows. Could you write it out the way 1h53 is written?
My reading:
1h24
